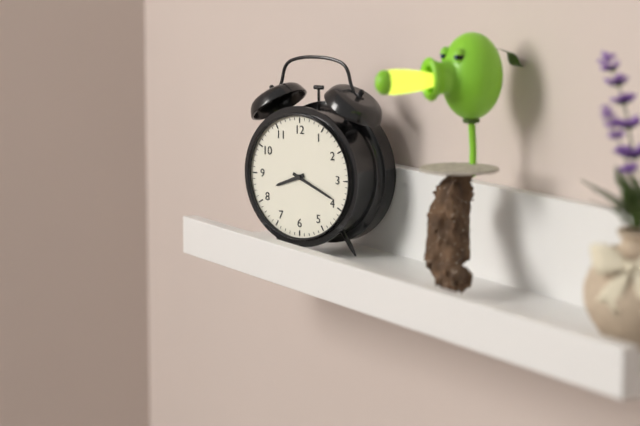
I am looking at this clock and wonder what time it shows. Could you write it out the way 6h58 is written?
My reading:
8h19
